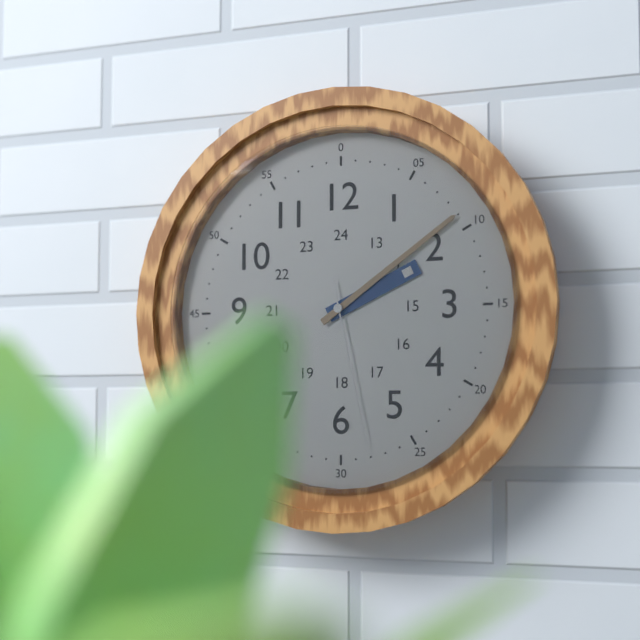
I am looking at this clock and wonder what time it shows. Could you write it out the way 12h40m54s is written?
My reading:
2h09m28s
